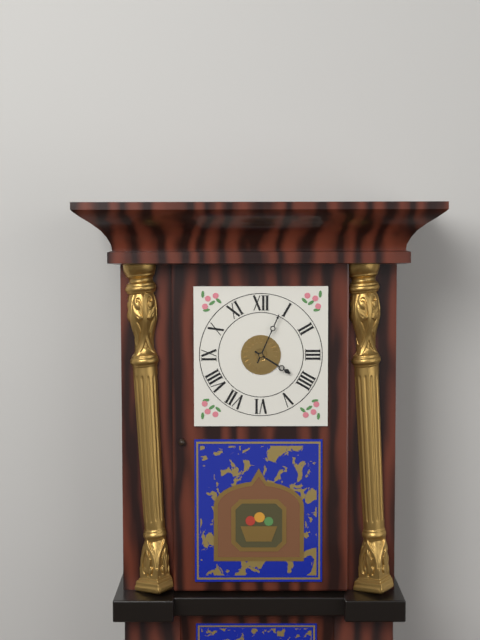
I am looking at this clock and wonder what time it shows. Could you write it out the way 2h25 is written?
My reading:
4h04
